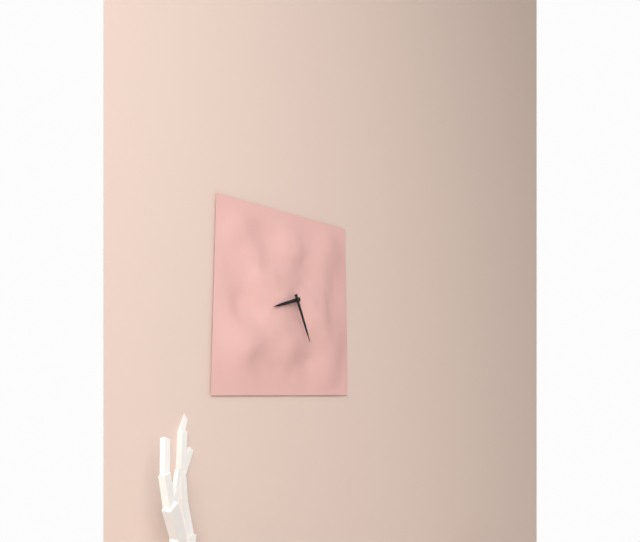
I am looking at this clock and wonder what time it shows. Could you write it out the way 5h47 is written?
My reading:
8h26
